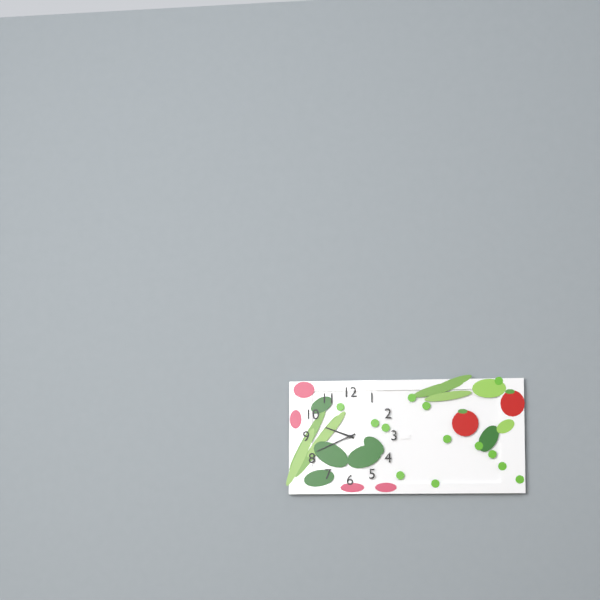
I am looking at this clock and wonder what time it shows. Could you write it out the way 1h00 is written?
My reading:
9h41
